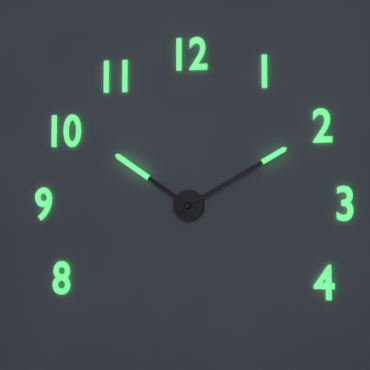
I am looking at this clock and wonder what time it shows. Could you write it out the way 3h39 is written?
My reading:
10h10
